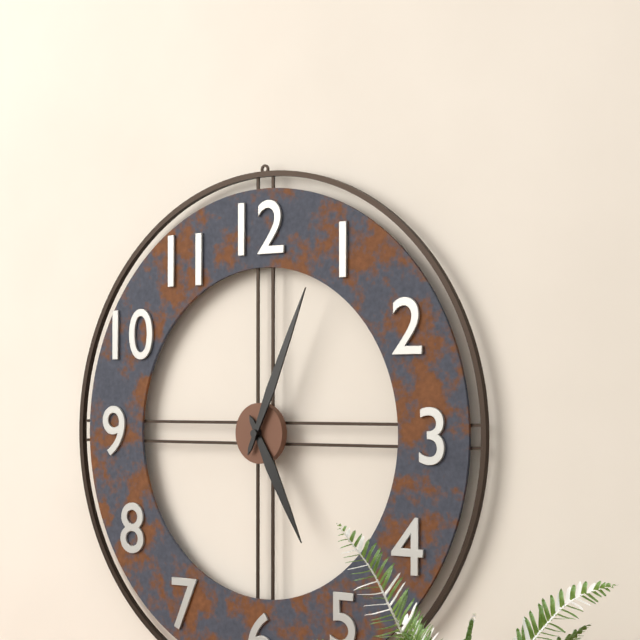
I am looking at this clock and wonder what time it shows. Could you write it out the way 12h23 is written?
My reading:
5h04
